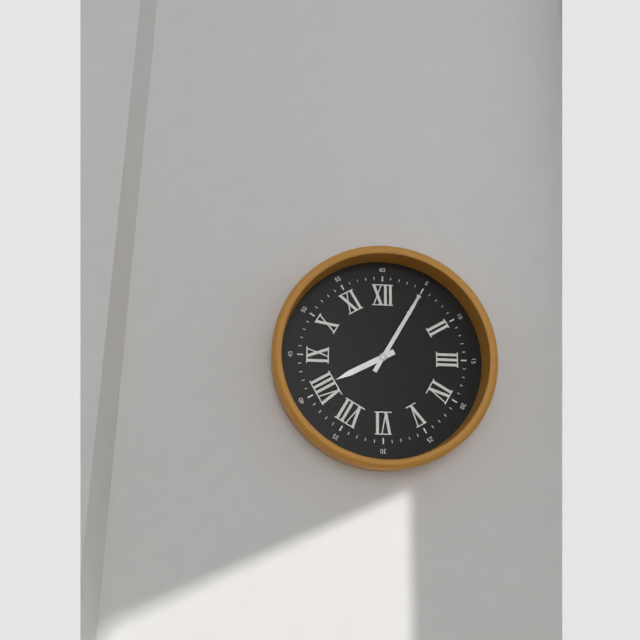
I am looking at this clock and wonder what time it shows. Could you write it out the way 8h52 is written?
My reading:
8h05
